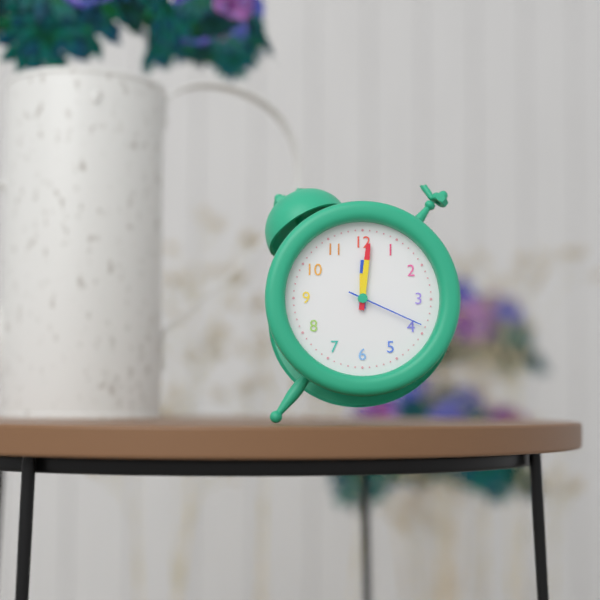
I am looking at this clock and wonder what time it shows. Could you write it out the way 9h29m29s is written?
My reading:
12h01m19s
